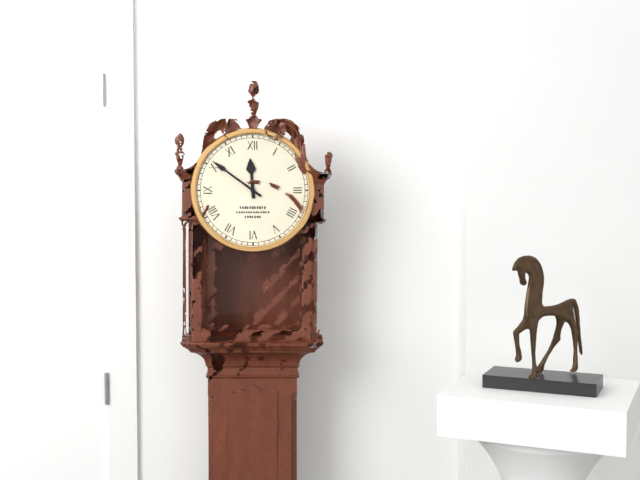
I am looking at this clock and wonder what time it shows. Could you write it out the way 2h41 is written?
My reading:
11h51
